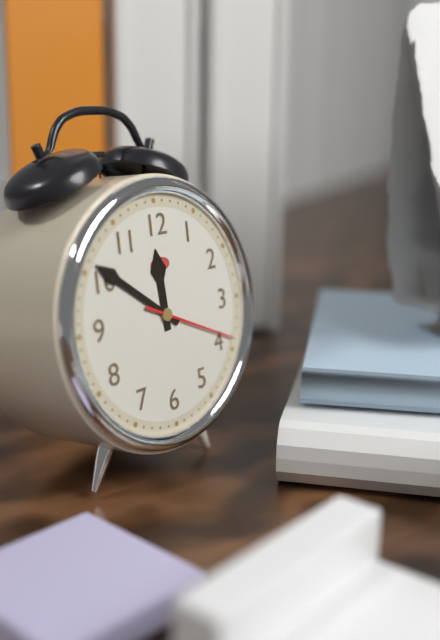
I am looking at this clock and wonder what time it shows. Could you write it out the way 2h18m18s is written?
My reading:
11h51m19s
